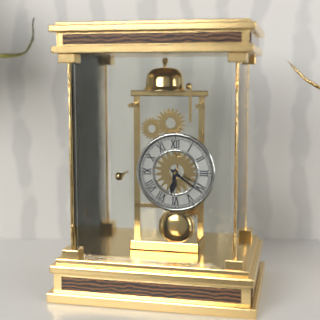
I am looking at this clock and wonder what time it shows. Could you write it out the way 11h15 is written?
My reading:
6h21
